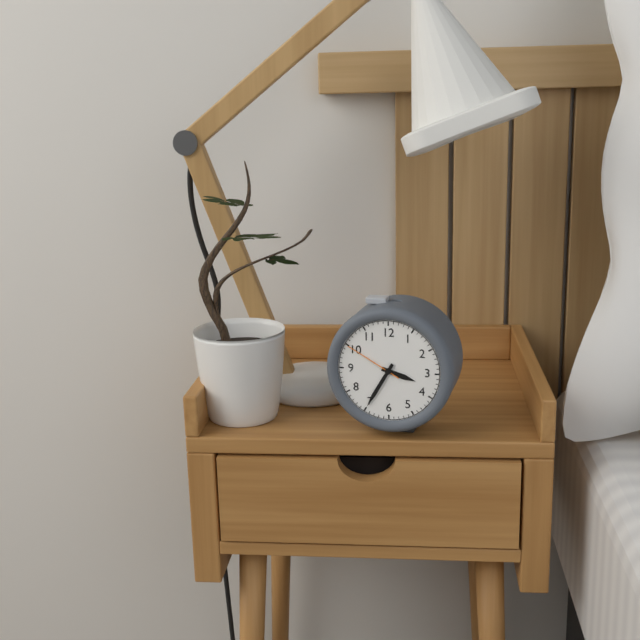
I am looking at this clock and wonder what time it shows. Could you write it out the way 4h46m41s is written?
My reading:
3h35m50s
